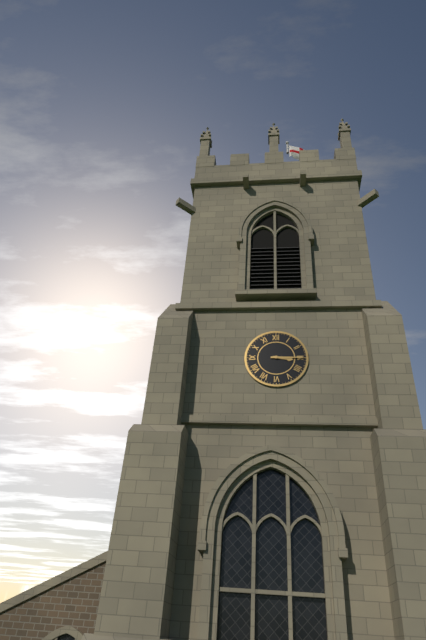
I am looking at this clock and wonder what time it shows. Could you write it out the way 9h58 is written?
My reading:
3h15
